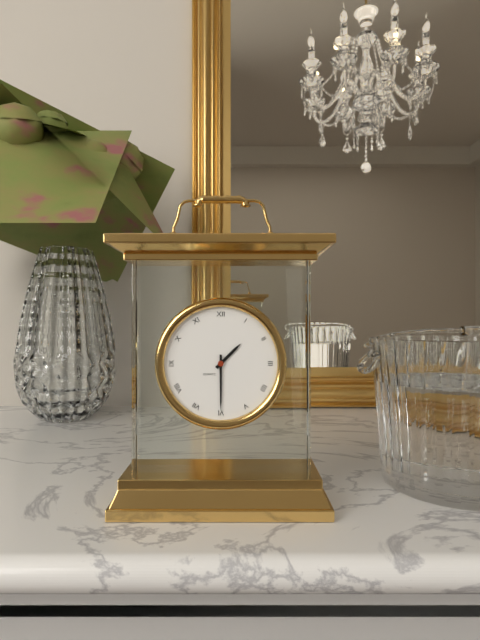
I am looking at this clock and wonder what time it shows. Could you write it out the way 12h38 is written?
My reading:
1h30
